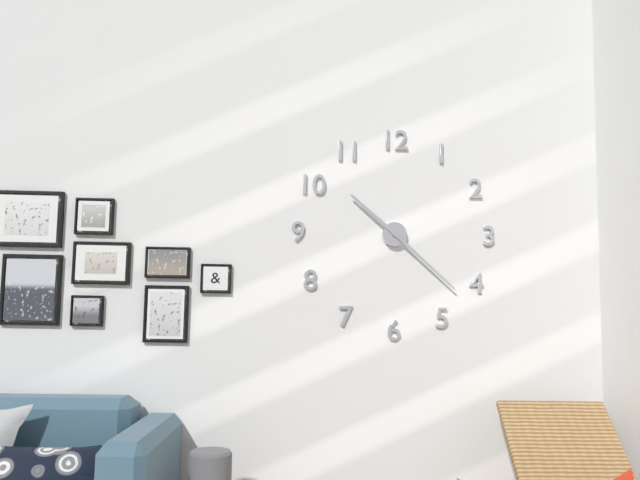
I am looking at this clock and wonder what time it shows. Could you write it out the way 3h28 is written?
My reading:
10h22
